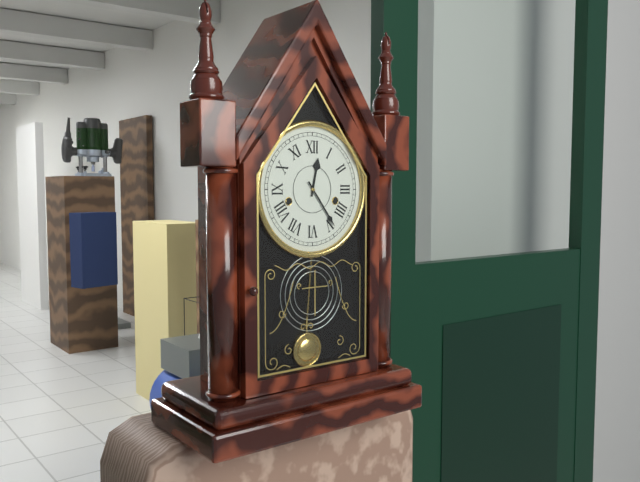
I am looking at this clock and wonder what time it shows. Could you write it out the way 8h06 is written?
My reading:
12h24
